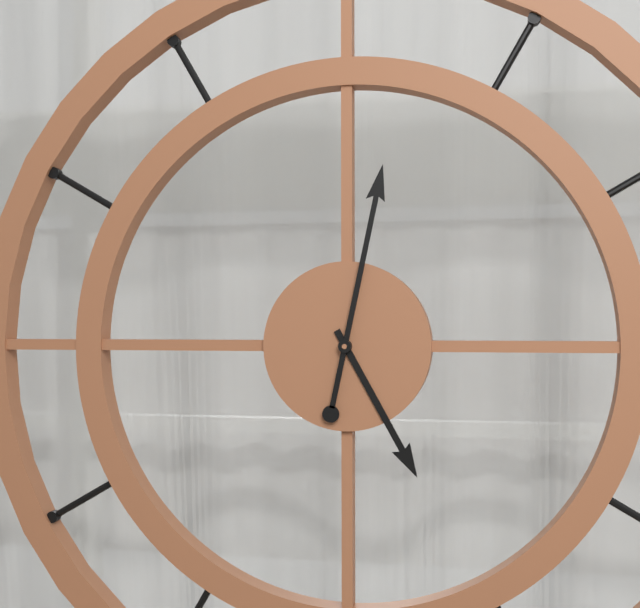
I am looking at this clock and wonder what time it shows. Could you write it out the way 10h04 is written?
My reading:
5h02
